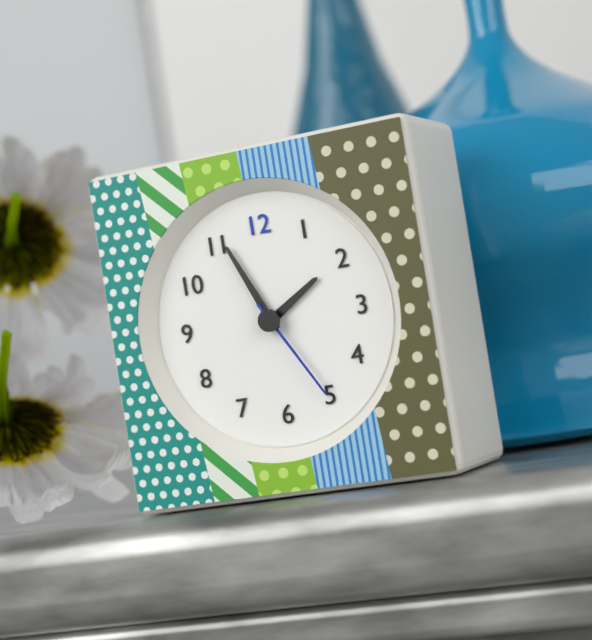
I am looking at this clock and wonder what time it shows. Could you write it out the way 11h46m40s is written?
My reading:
1h56m25s
